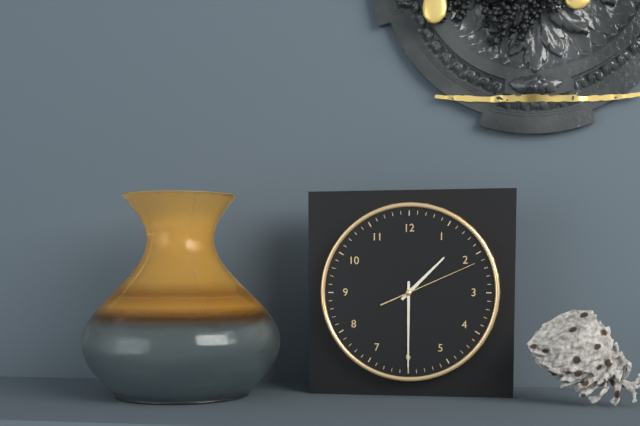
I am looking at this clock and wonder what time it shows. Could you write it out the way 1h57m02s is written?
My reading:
1h30m11s
